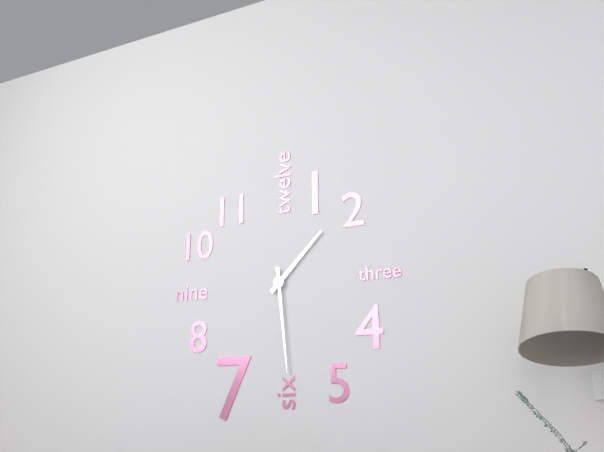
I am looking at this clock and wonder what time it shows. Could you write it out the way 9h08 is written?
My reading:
1h29
